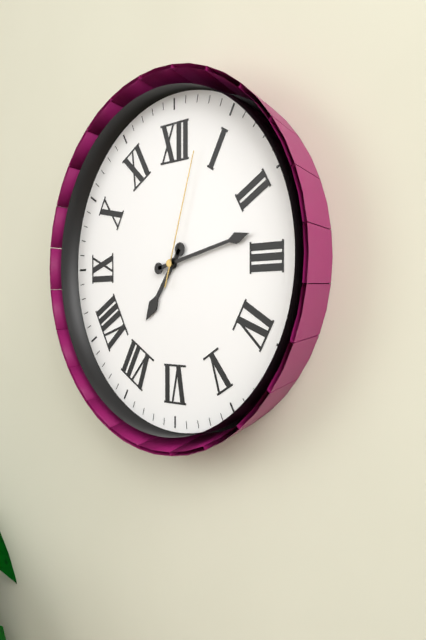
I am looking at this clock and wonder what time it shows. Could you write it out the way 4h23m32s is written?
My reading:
7h13m03s
